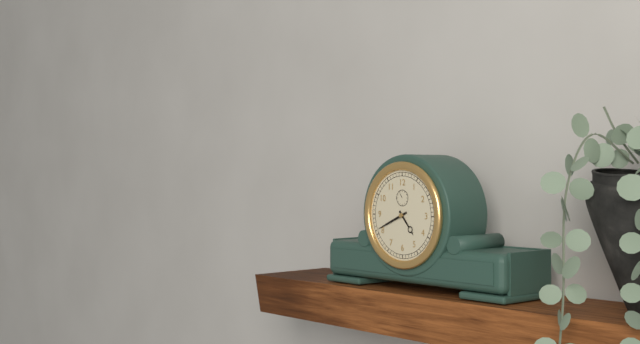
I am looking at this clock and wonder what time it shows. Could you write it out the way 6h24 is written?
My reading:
4h41
